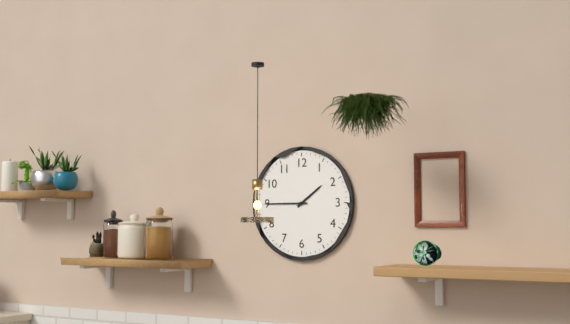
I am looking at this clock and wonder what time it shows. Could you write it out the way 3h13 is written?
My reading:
1h45
